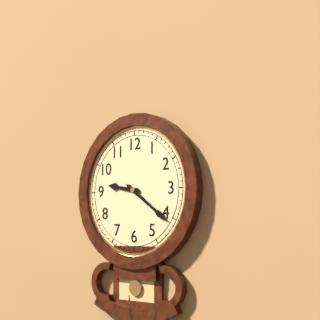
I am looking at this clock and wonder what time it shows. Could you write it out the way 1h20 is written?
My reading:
9h21
